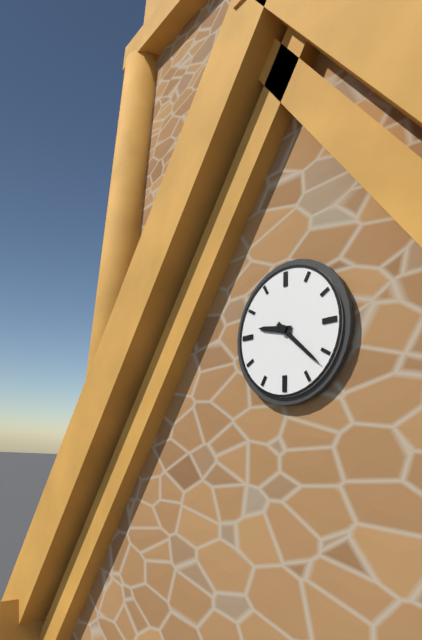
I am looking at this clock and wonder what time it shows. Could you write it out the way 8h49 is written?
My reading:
9h22
